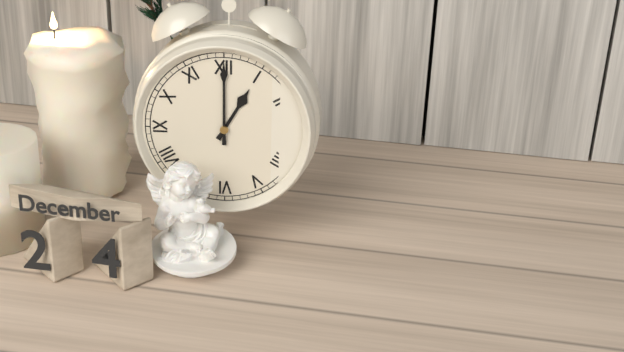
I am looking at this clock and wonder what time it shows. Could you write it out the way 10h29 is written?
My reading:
1h00
